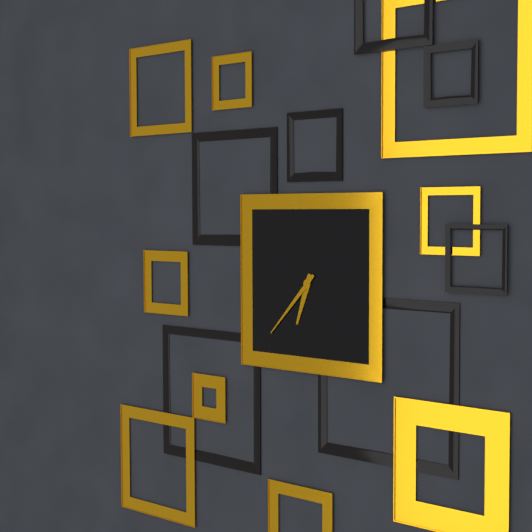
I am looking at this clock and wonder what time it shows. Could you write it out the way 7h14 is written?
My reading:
6h37
